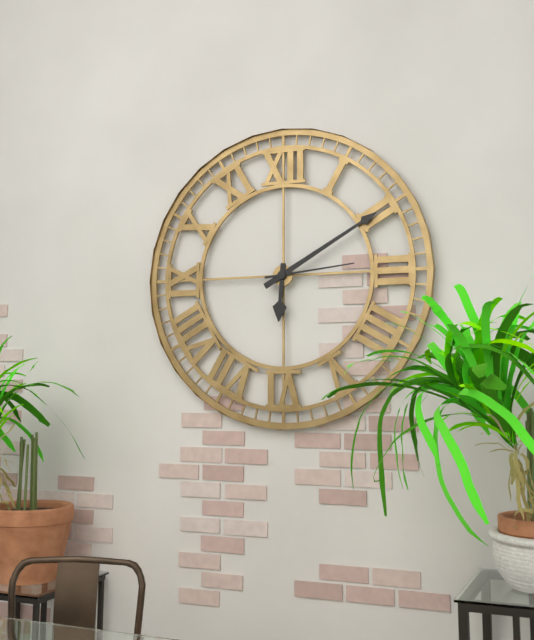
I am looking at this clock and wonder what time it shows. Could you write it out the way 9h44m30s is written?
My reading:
6h10m14s
